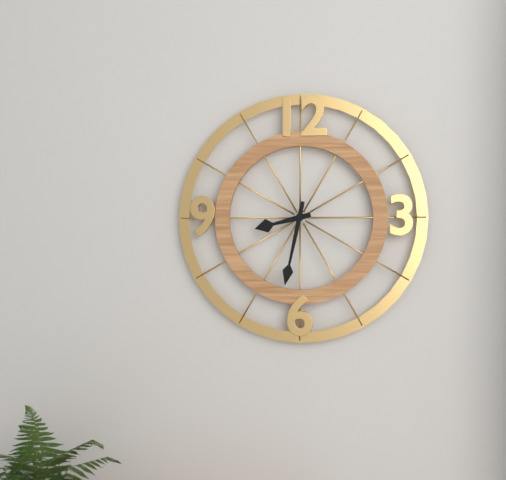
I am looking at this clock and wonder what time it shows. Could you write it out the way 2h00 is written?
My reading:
8h32
